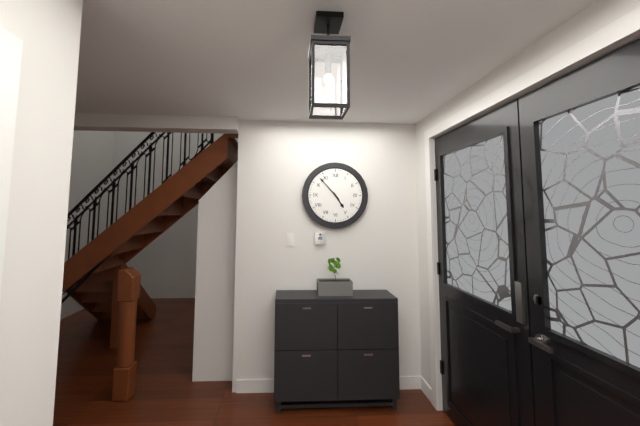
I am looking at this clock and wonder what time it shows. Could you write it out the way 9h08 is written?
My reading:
4h53
